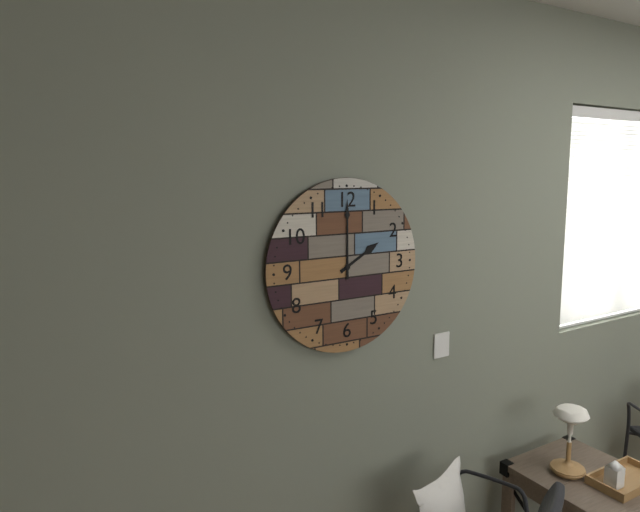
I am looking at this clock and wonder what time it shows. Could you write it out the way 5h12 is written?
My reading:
2h00
